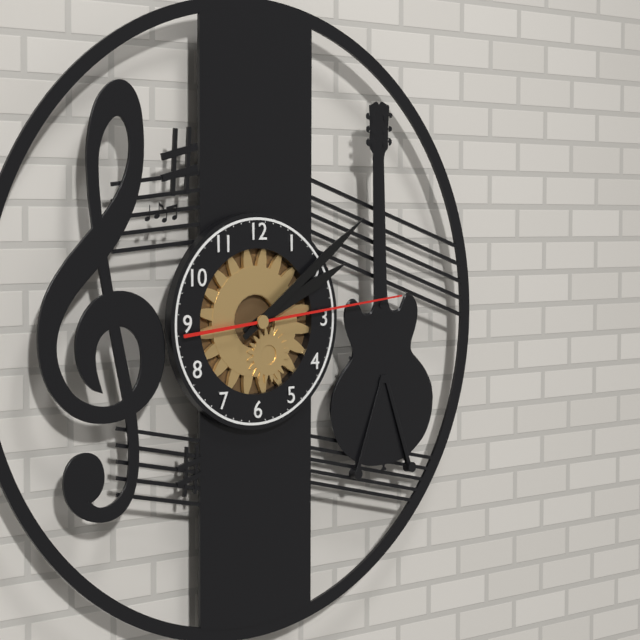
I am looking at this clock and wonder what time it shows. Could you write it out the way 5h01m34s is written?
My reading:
2h09m14s
